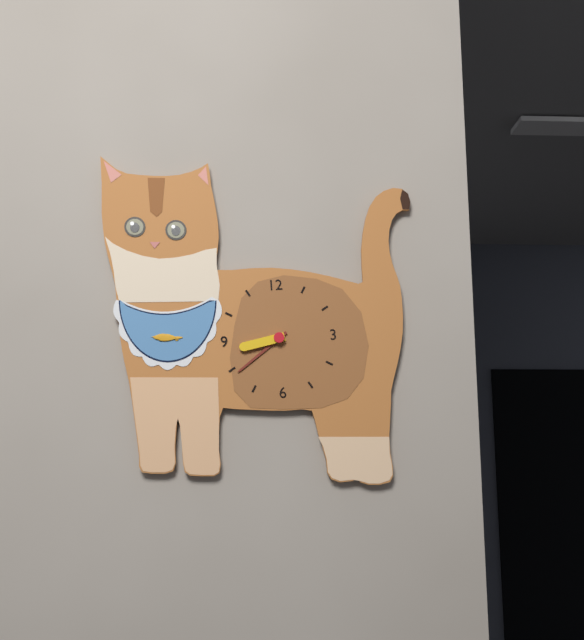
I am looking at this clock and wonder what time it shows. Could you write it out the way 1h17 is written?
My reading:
8h39
